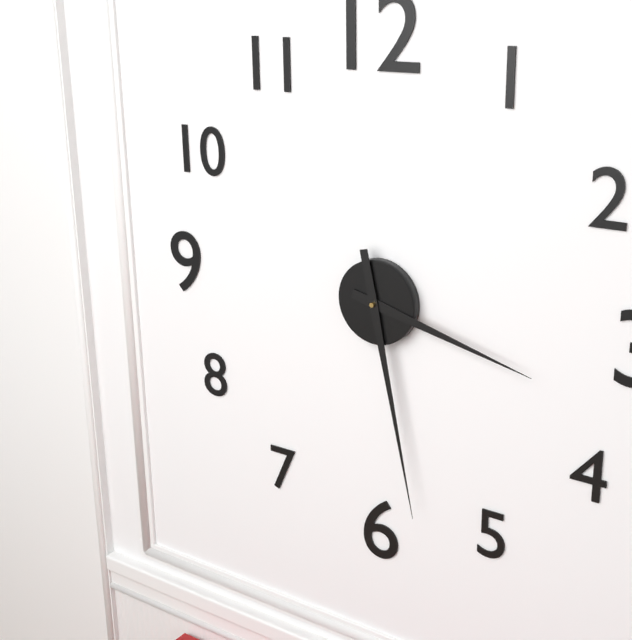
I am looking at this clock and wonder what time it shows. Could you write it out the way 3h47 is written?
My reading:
3h28
